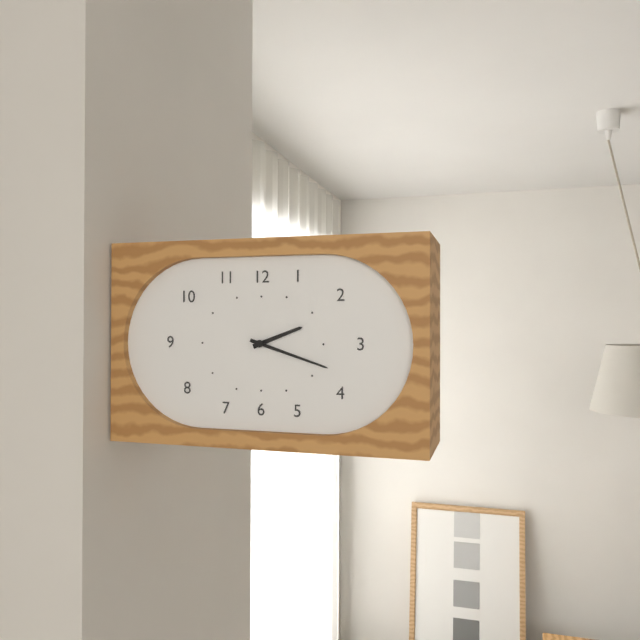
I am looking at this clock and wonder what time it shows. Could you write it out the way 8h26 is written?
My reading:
2h18
